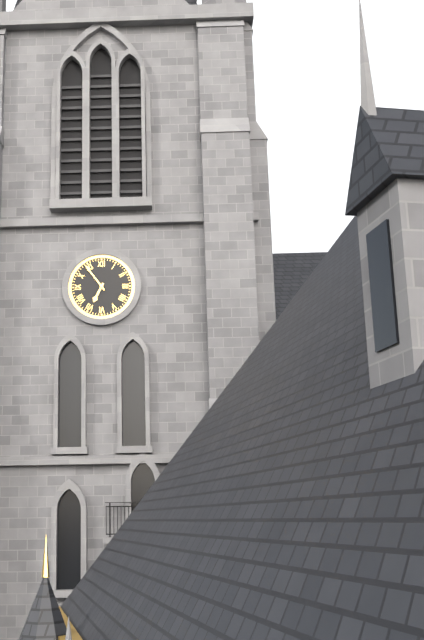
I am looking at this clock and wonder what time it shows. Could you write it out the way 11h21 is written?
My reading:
6h54
